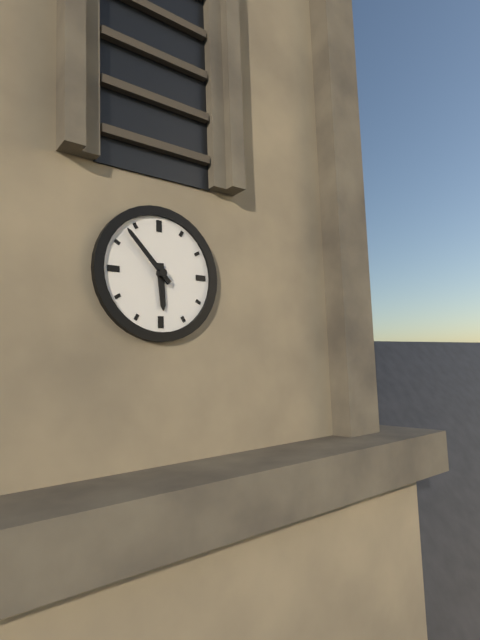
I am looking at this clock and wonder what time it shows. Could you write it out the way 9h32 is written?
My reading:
5h53
